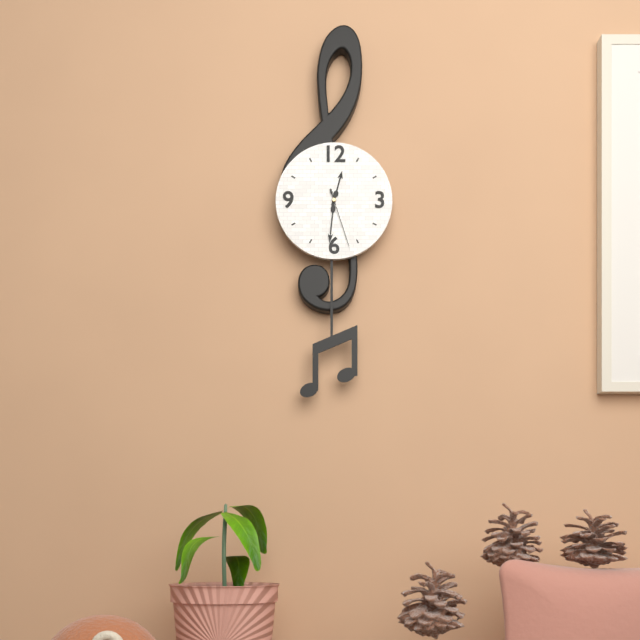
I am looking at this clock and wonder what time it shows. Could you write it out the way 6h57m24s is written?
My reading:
12h31m27s
